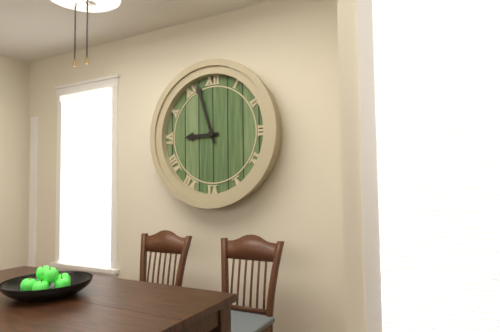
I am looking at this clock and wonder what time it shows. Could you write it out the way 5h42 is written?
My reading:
8h57
